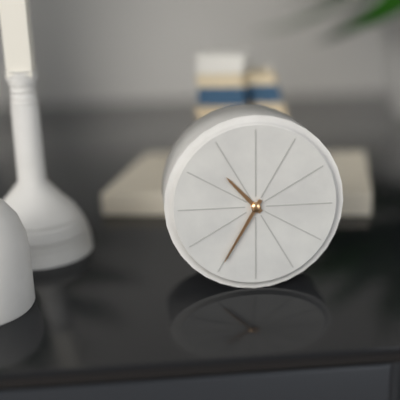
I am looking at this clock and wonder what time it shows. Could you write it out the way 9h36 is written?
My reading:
10h35
